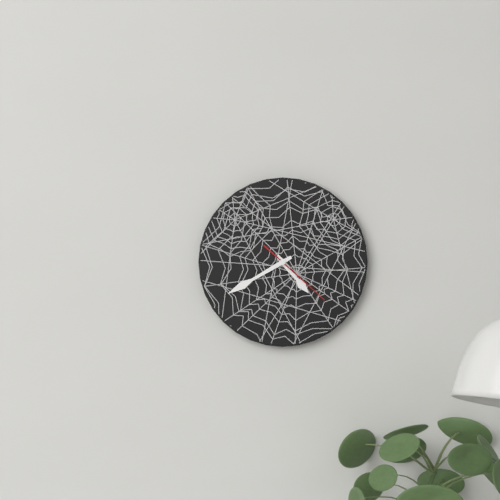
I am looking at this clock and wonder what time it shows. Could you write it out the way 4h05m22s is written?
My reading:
4h40m22s
